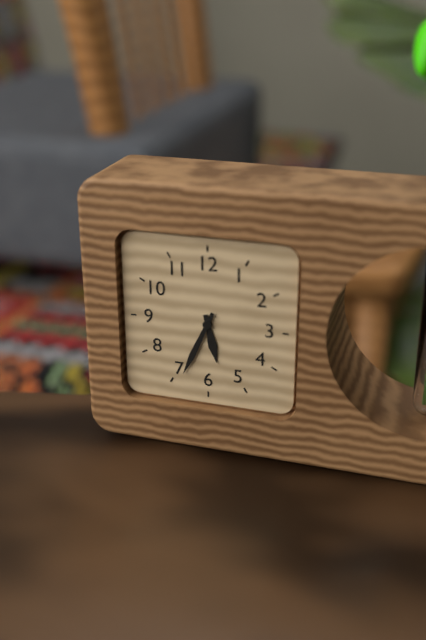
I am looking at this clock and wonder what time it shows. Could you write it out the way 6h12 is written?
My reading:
5h34
